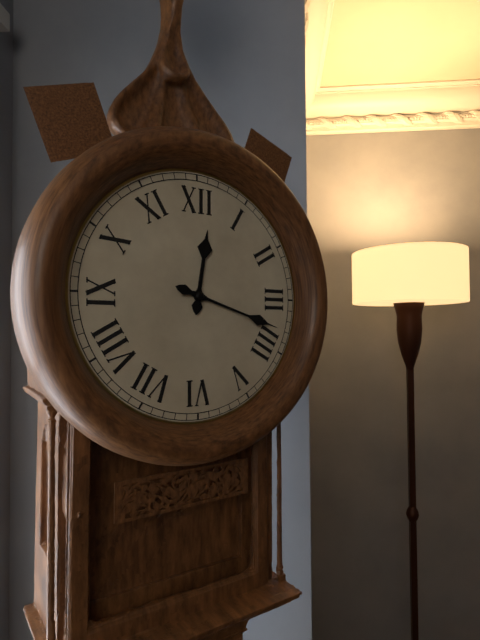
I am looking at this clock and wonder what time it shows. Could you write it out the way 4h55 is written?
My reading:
12h18
